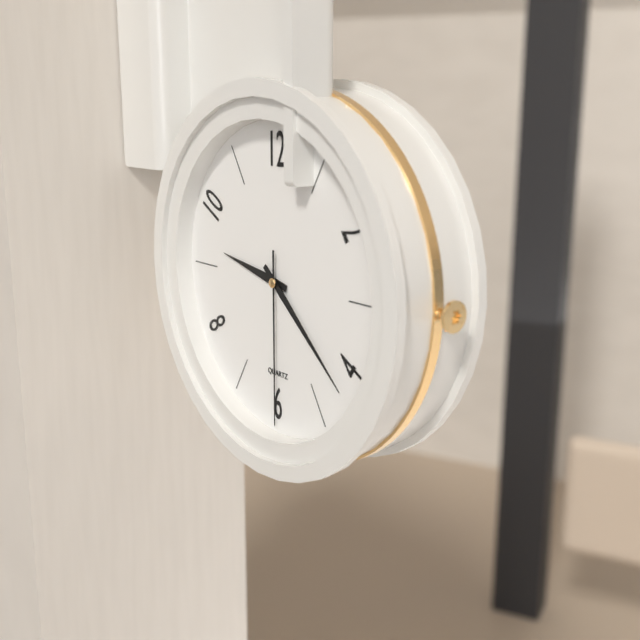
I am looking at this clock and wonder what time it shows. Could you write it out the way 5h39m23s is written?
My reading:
9h22m30s
